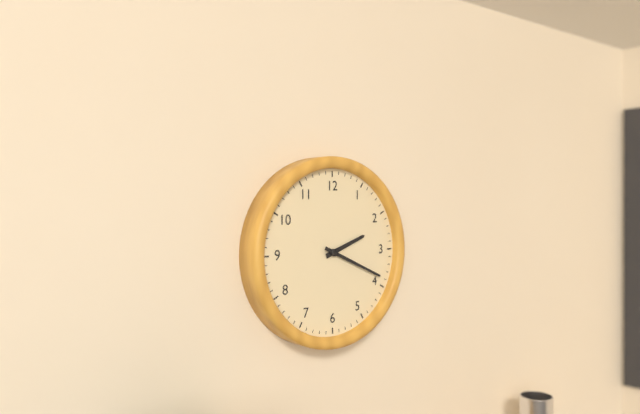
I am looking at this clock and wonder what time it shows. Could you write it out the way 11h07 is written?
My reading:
2h19
